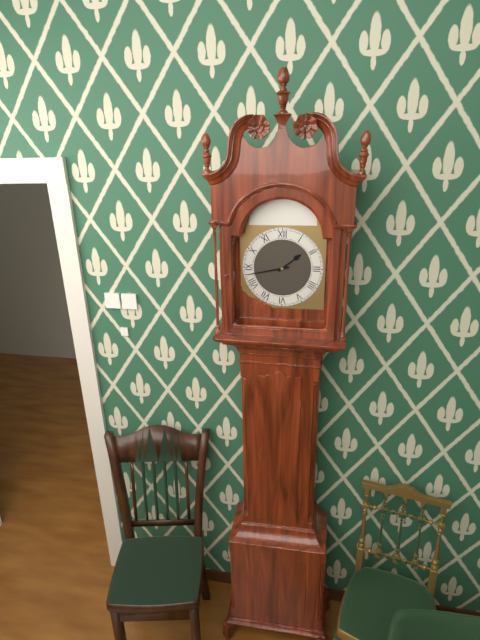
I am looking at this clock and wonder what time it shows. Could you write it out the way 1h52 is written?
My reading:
1h43
